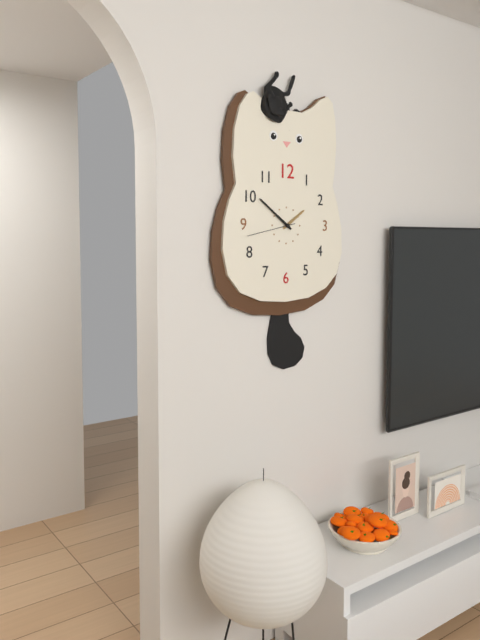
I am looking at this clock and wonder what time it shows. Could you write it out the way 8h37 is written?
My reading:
1h51
